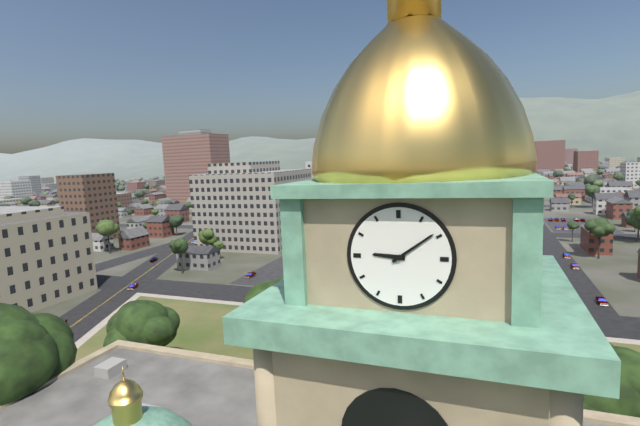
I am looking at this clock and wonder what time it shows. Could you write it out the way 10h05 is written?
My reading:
9h09
